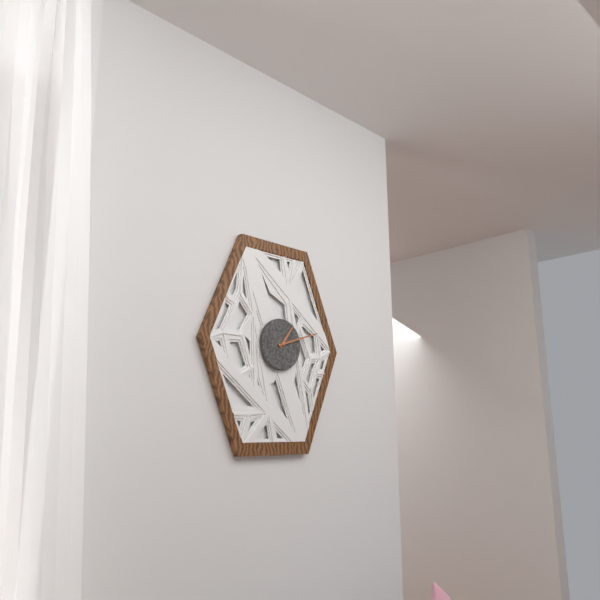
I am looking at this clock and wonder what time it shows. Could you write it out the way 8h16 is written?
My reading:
1h12
